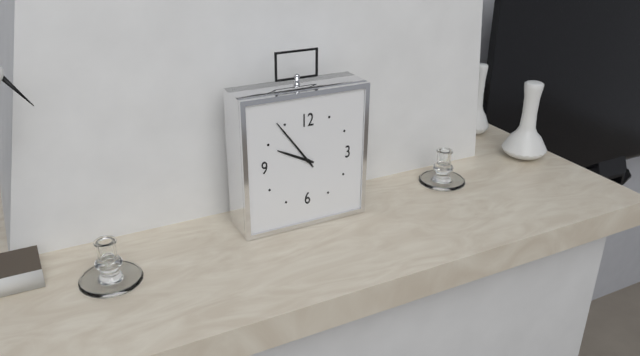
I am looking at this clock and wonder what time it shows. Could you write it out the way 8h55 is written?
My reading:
9h54
